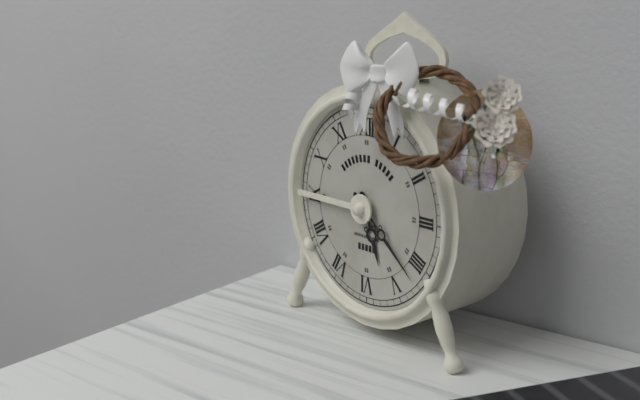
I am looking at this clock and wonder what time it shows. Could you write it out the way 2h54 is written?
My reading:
5h22
